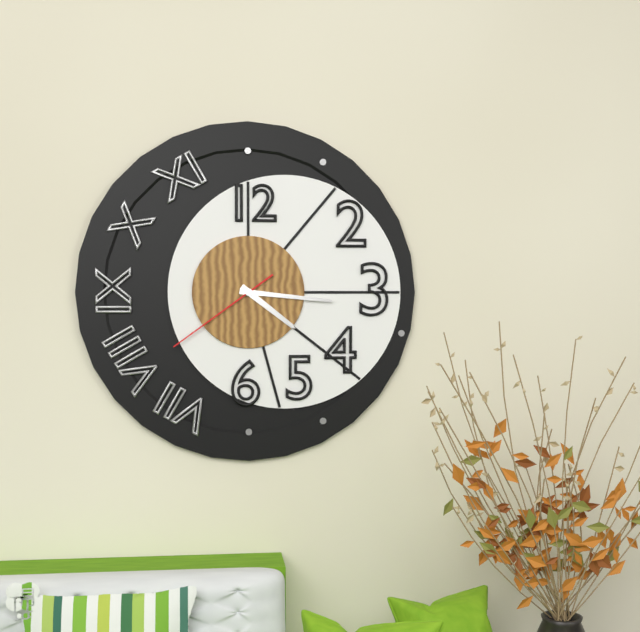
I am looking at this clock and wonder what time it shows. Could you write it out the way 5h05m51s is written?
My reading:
4h16m39s
